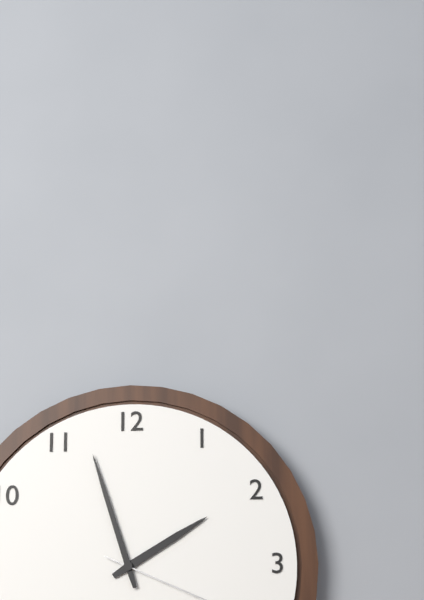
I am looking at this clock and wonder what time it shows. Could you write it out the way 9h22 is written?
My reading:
1h57
